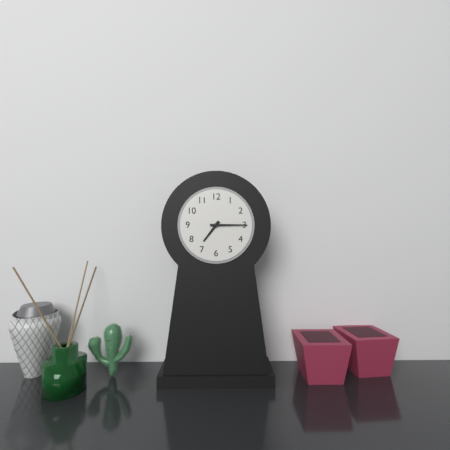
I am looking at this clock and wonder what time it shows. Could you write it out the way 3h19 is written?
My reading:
7h15
